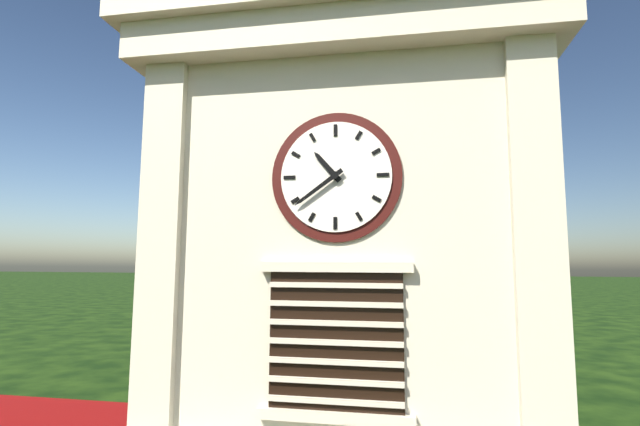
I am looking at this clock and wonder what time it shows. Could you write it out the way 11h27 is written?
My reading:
10h39
